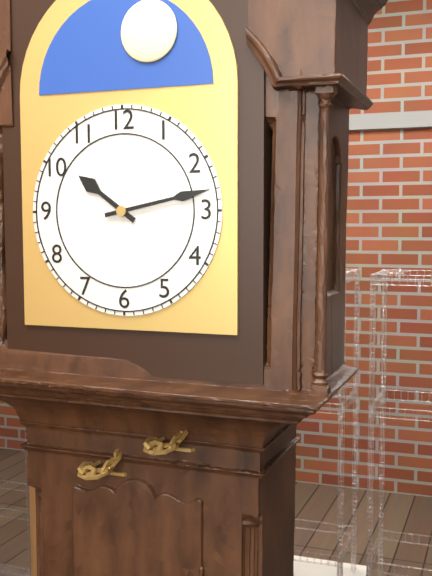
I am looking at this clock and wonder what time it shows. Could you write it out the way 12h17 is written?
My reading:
10h13
